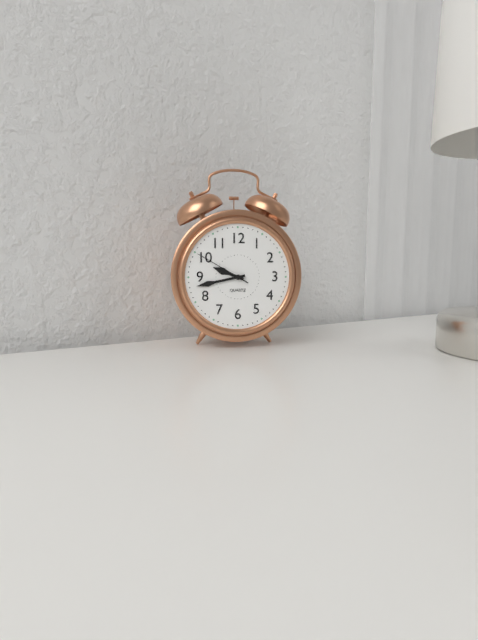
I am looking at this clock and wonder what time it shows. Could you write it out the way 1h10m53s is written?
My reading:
9h43m50s
